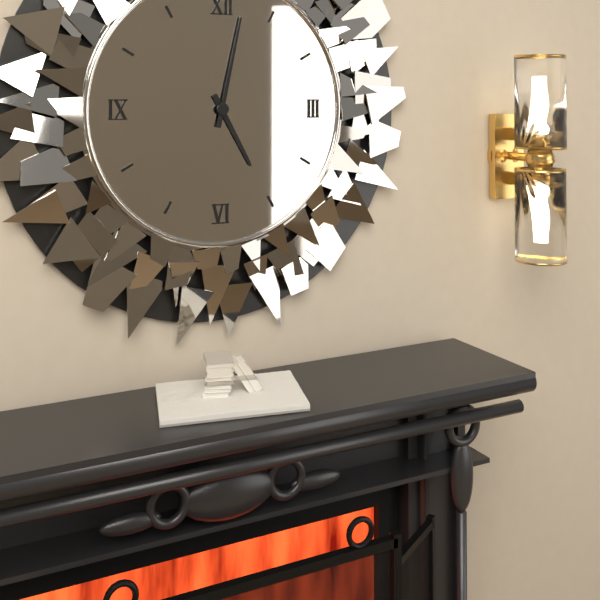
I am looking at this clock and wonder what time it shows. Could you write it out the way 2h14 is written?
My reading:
5h02
